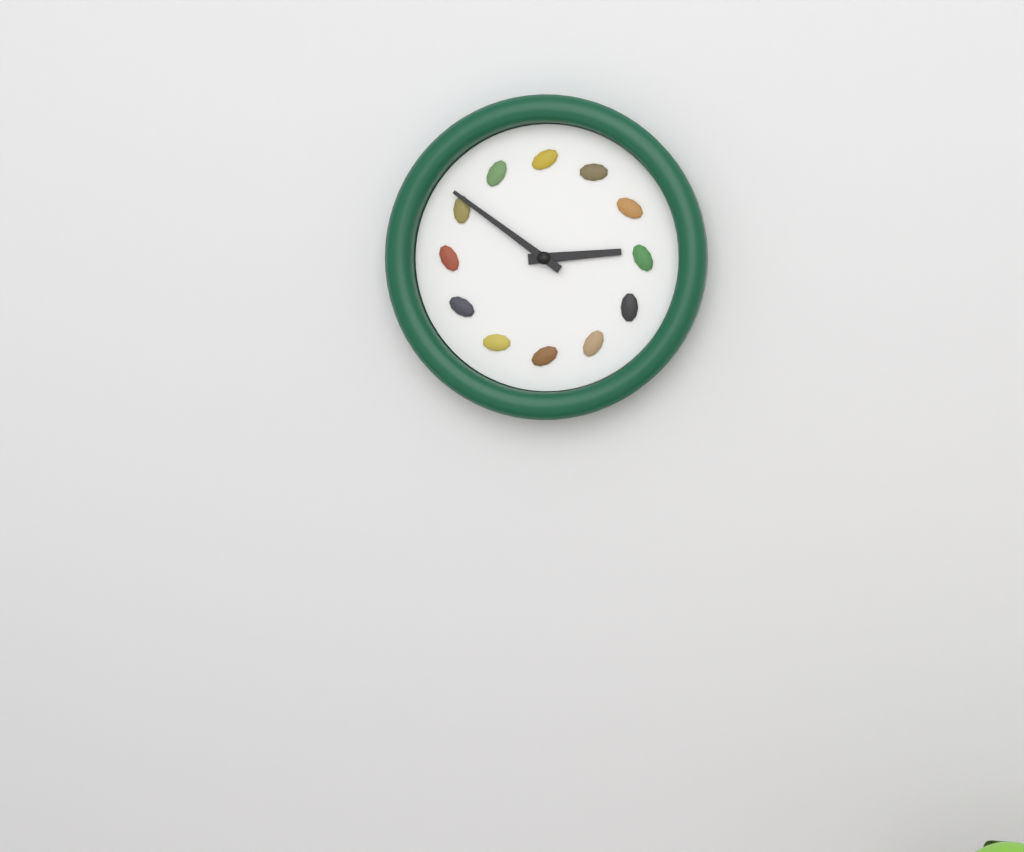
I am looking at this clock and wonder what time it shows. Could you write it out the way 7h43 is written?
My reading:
2h51
